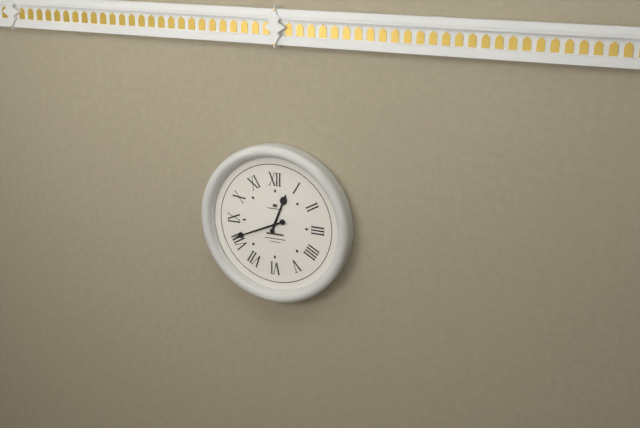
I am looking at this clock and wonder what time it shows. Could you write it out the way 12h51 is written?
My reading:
12h41
